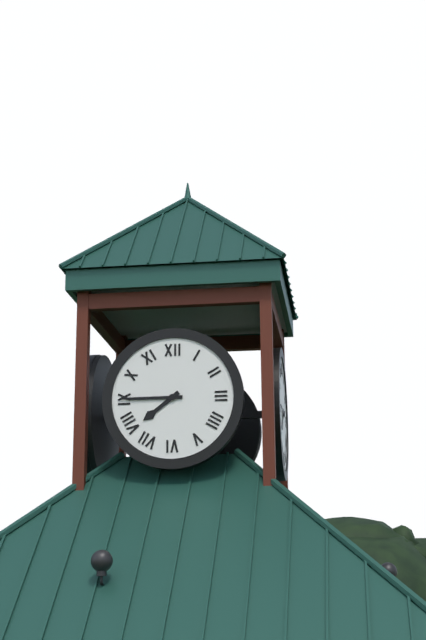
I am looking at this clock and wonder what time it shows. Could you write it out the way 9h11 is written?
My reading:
7h45
